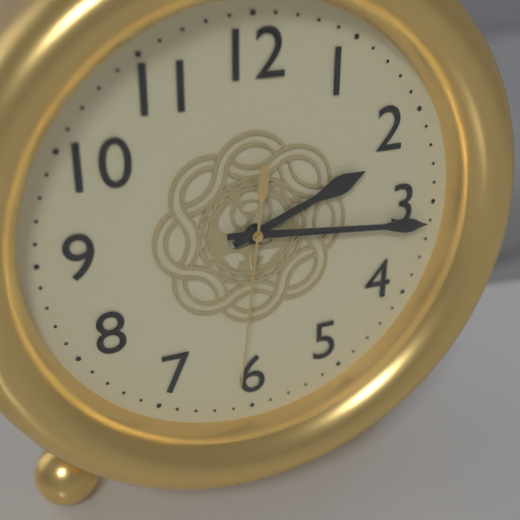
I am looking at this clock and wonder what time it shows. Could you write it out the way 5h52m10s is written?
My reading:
2h16m31s
